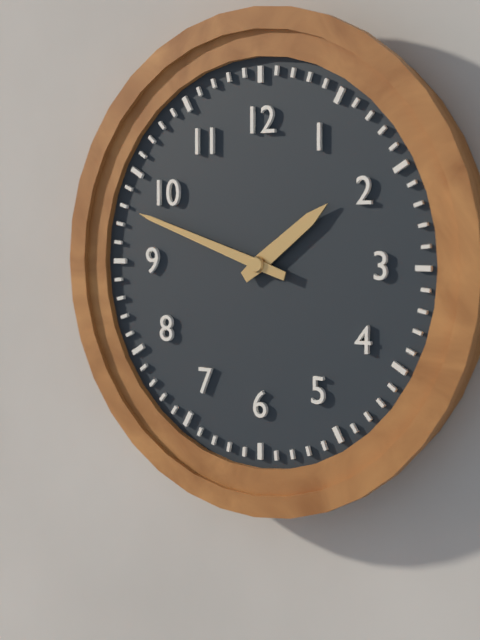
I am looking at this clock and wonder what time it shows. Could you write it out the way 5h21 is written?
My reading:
1h48
